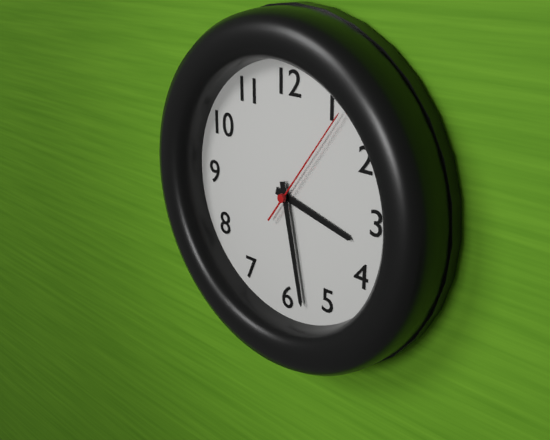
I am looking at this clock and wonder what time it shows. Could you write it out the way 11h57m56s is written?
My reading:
3h28m06s
